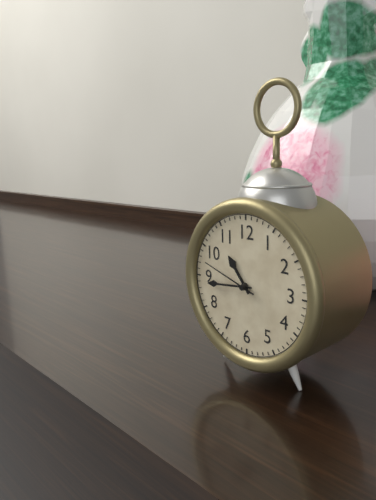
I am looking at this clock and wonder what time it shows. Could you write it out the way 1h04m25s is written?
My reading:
10h44m48s
